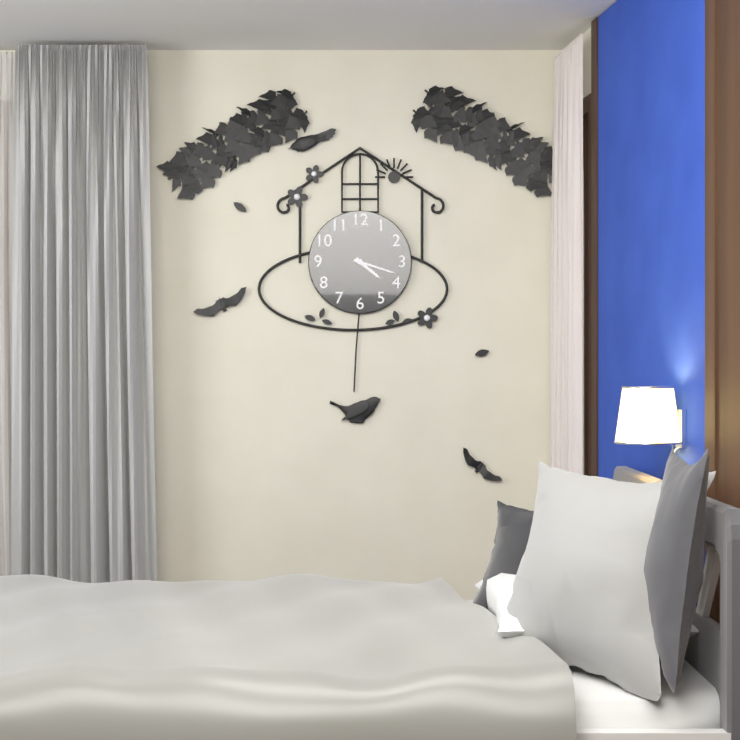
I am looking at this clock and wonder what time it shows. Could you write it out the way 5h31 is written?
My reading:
4h18
